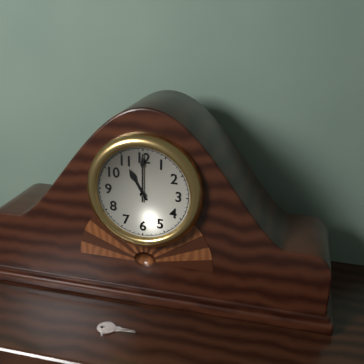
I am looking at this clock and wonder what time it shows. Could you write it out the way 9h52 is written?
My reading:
11h00
